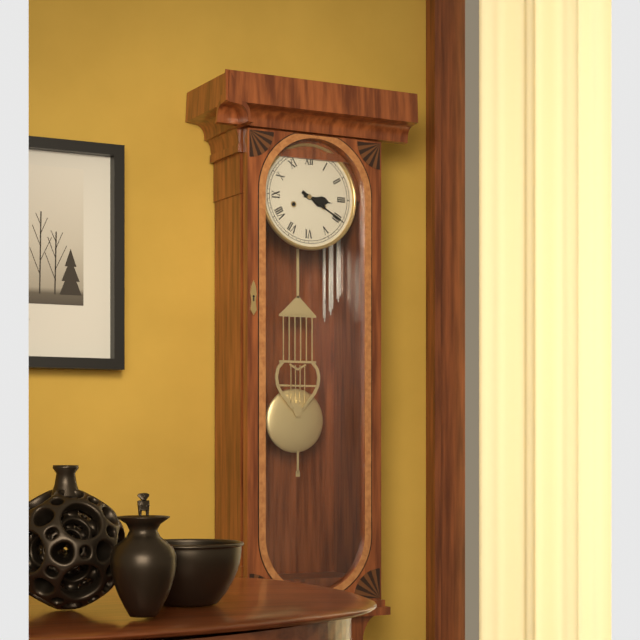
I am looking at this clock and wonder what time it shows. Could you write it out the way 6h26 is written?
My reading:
3h20
